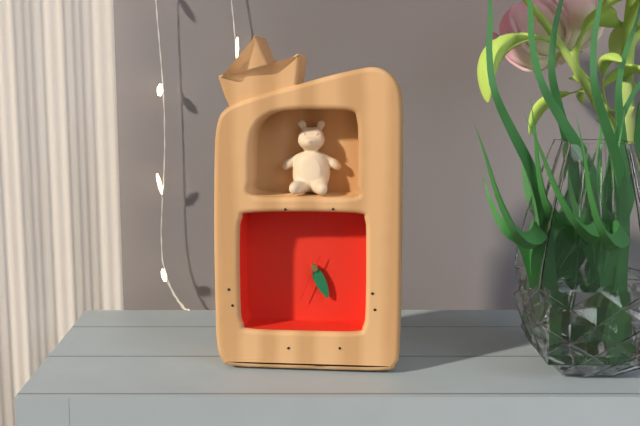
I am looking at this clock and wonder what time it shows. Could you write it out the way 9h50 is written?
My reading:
5h26
